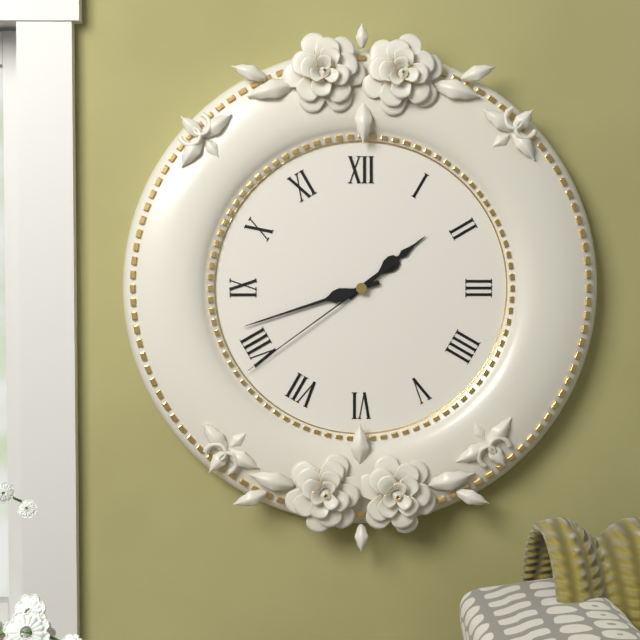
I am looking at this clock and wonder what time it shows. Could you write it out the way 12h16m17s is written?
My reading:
1h42m39s
